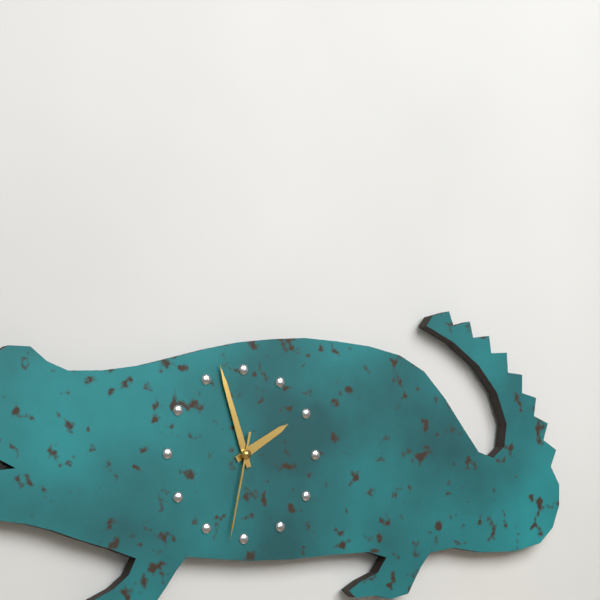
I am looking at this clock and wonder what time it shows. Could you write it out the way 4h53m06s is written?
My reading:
1h57m32s
